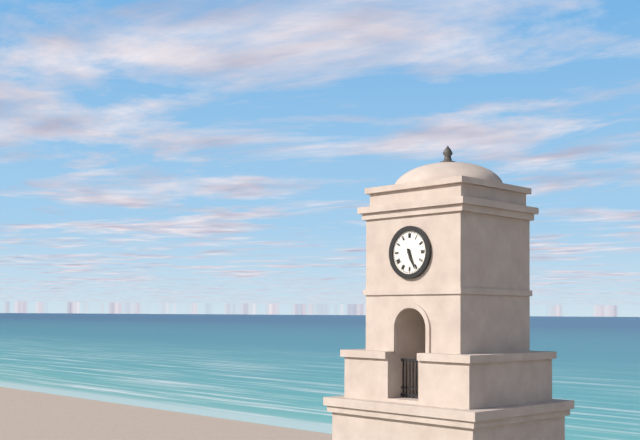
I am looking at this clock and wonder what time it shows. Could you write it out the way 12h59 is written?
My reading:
5h26
